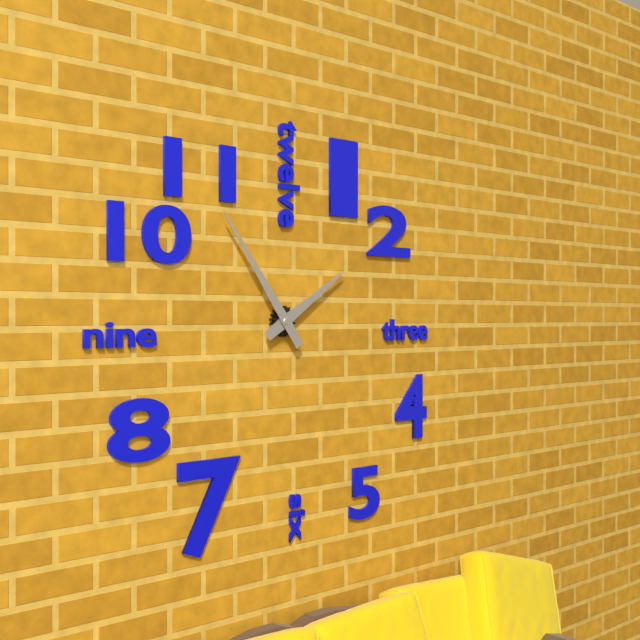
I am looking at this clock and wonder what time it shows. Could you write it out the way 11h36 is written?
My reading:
1h54
